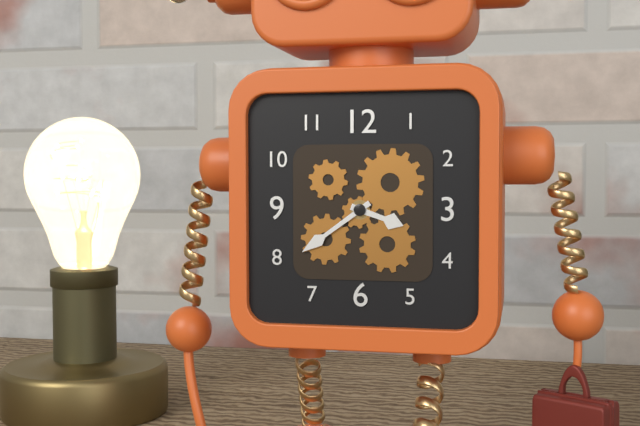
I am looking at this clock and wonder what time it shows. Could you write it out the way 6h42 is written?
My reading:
3h39
